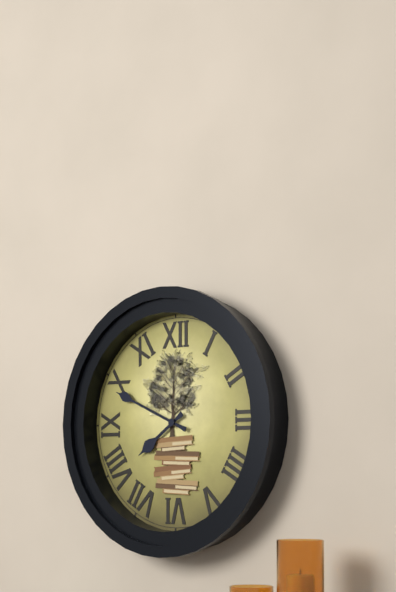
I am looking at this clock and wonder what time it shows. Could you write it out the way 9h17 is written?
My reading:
7h49
